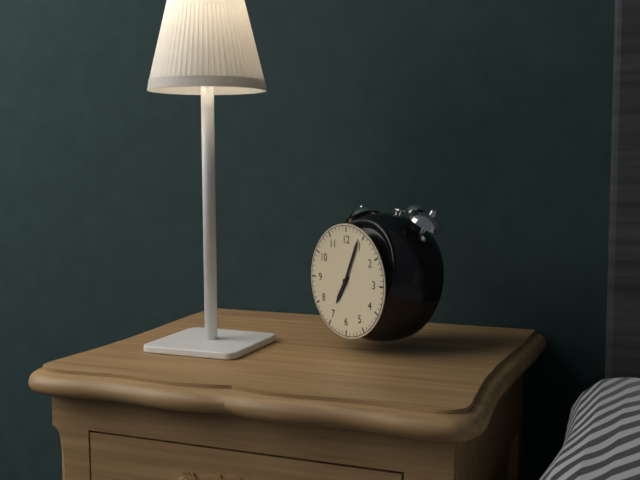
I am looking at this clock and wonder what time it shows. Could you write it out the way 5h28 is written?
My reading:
7h04
